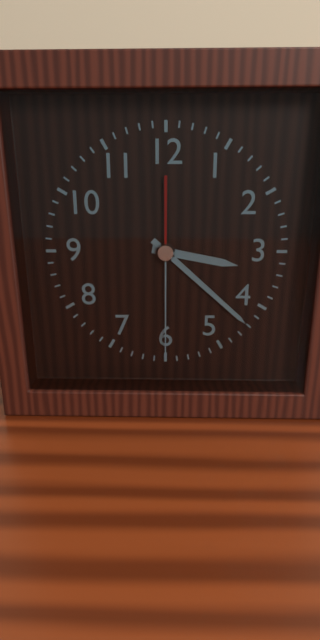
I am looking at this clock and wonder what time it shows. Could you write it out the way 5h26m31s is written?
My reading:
3h22m30s
